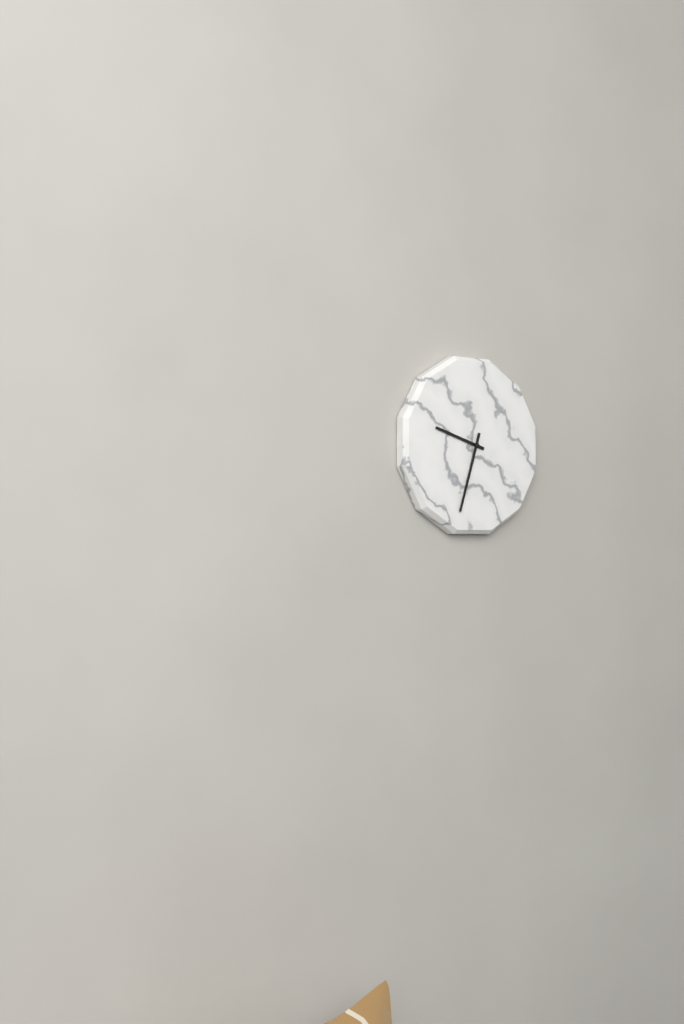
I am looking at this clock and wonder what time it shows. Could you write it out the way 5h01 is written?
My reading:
9h33
